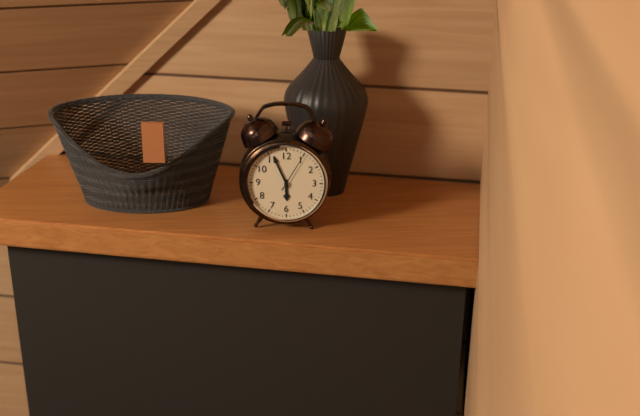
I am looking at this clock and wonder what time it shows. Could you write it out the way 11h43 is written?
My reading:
5h56
